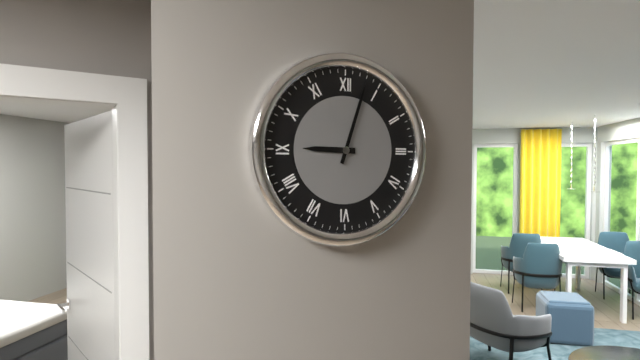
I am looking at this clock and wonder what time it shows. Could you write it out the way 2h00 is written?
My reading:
9h03
